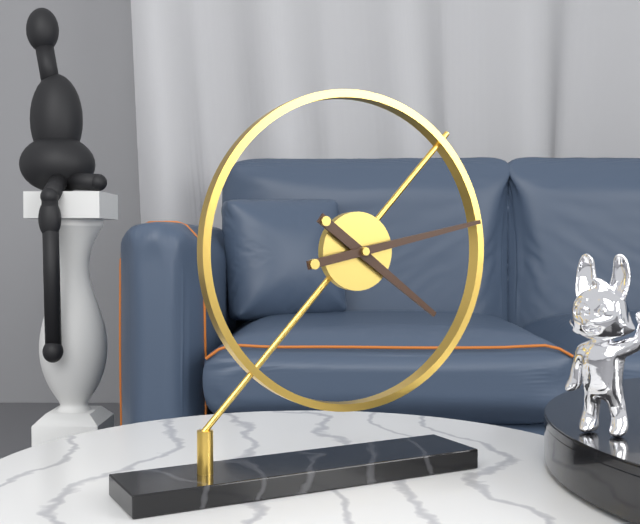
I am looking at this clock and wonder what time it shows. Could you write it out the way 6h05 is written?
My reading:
4h13
